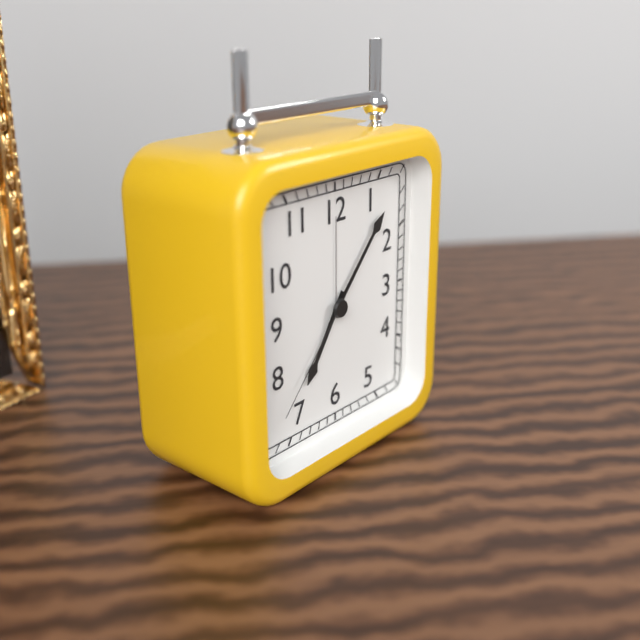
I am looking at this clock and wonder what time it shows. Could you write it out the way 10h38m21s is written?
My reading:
7h07m37s
